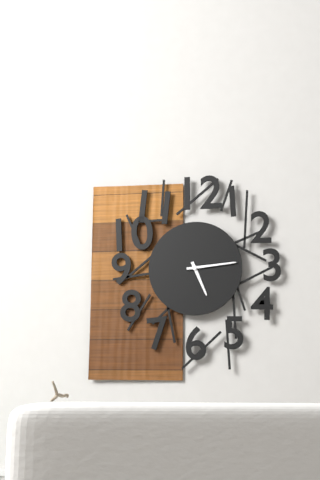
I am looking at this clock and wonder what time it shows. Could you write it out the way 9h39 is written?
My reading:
5h14
